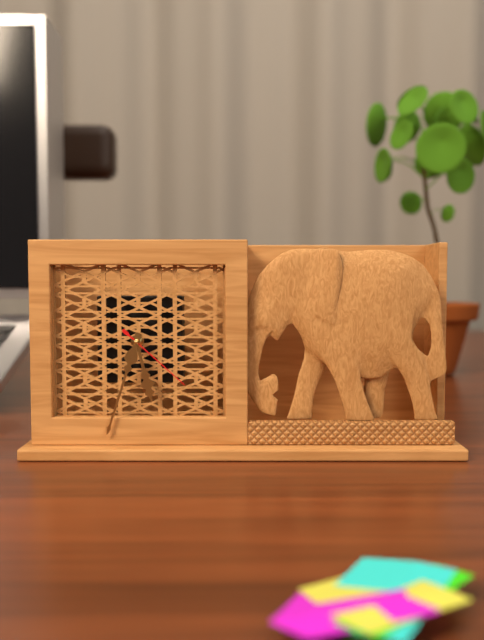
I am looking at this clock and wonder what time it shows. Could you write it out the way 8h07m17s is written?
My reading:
5h33m22s
